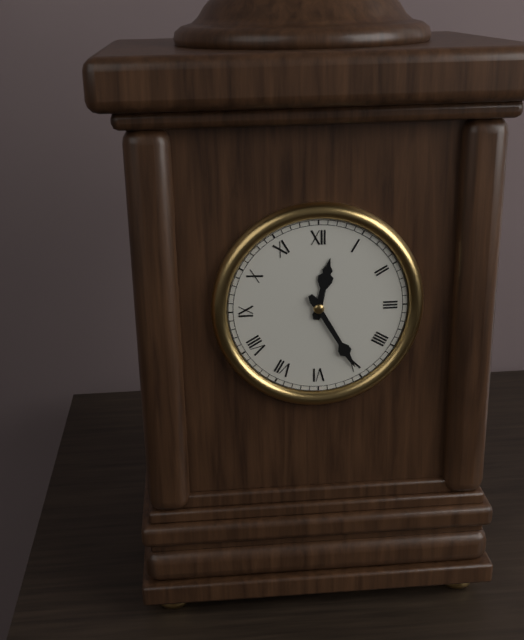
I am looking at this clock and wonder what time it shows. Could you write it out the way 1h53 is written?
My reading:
12h25
